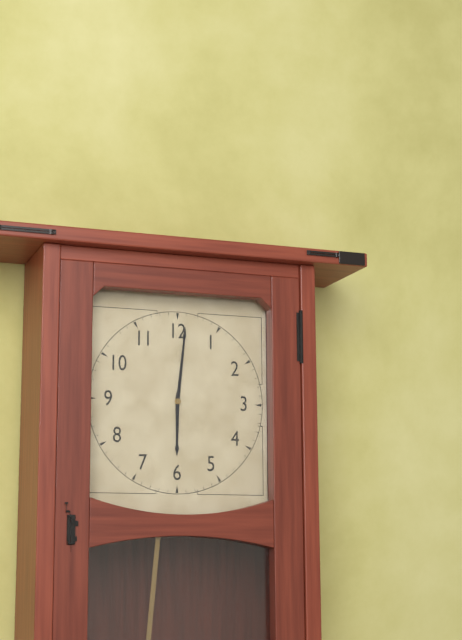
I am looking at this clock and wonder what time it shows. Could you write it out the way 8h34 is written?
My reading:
6h01
